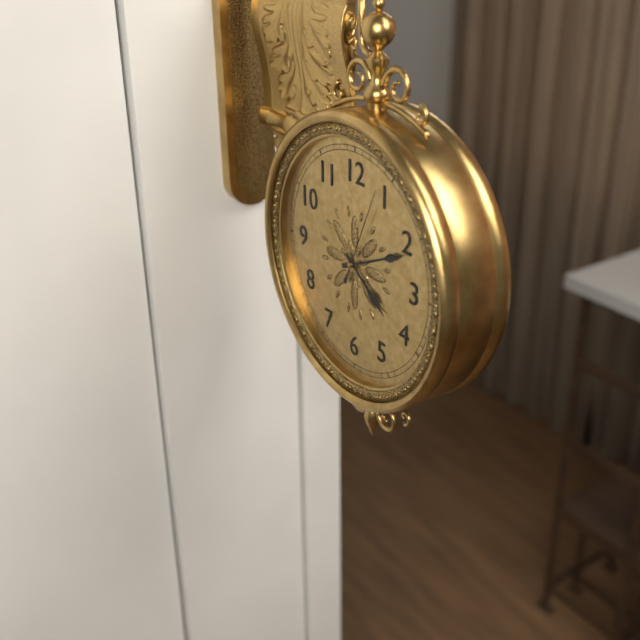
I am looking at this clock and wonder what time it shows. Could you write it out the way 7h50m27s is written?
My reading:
4h11m04s
